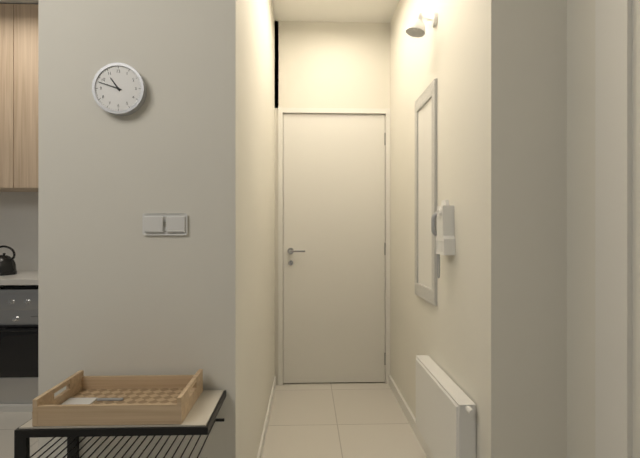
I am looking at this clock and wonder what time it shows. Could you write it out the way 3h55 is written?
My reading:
10h48
